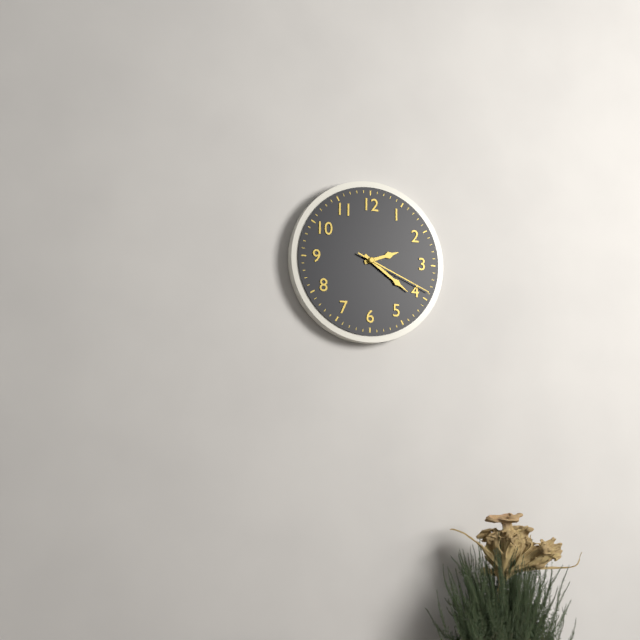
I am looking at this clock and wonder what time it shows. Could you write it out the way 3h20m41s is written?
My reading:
2h21m19s
